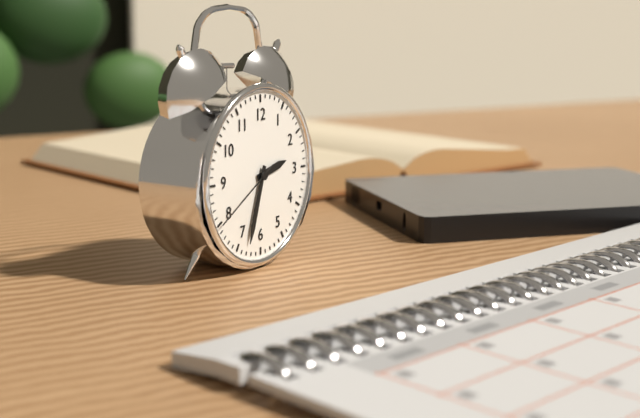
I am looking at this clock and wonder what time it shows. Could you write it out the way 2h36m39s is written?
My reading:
2h33m40s
